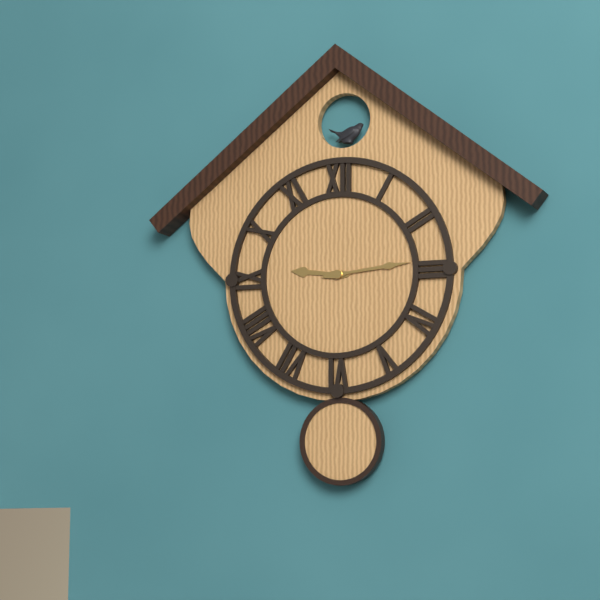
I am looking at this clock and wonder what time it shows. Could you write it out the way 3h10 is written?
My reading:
9h14
